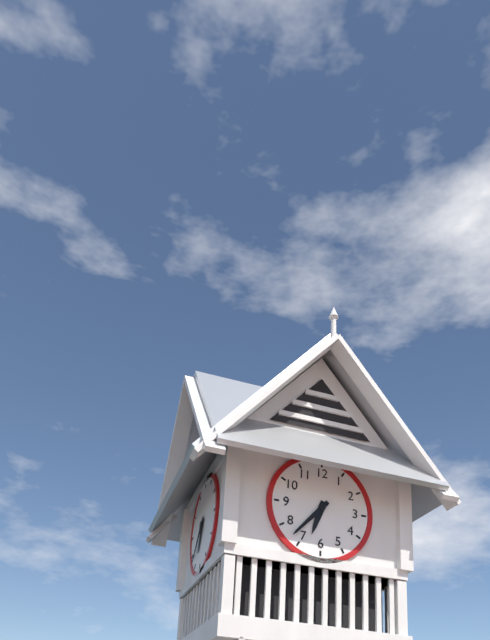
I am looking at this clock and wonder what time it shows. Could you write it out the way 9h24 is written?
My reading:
6h37
